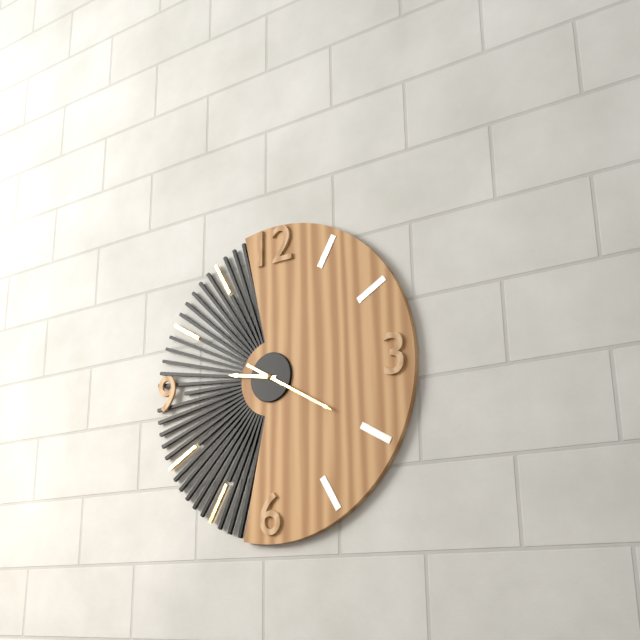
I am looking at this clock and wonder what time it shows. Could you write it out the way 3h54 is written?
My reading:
9h20
